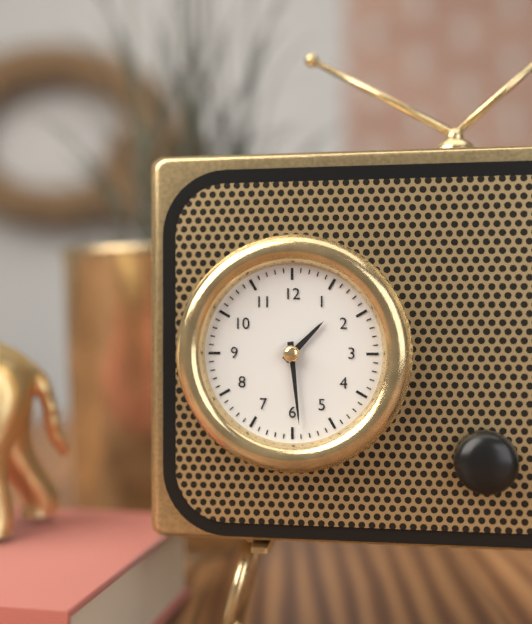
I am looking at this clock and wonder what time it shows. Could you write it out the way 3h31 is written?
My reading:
1h29
